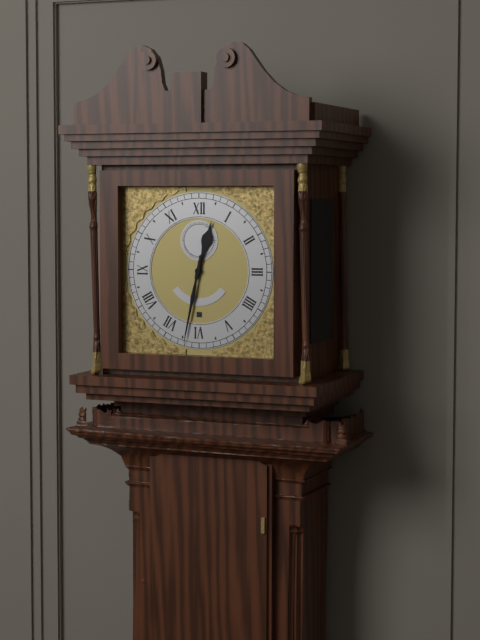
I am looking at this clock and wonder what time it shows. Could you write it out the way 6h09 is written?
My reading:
12h32
